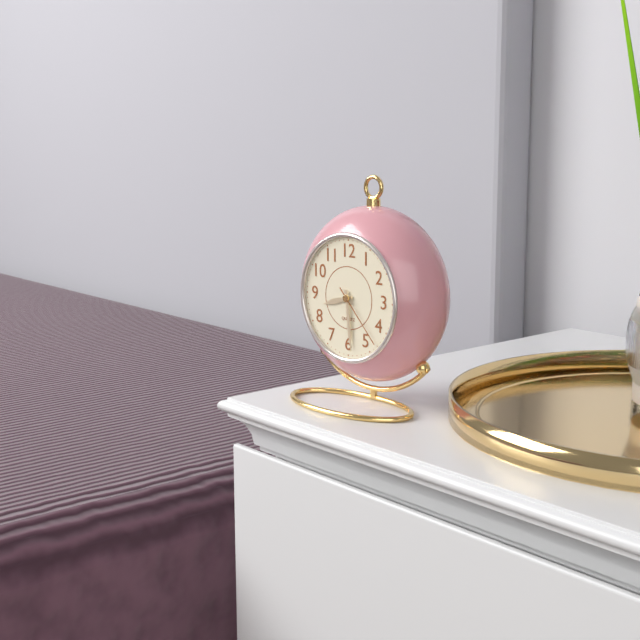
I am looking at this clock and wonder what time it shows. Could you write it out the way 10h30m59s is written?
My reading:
8h29m23s
